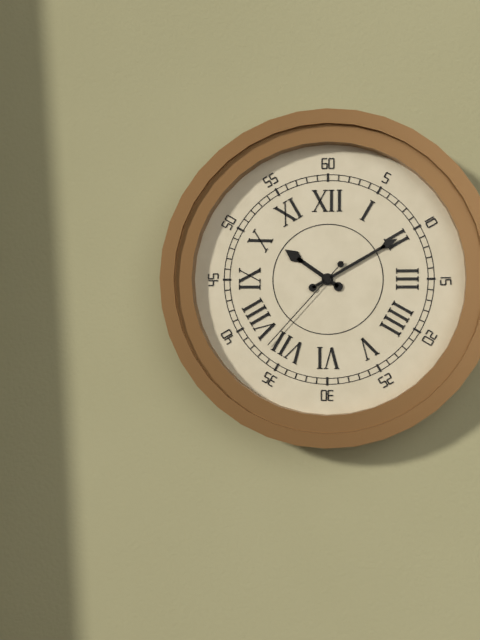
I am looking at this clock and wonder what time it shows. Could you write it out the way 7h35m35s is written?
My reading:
10h10m37s
